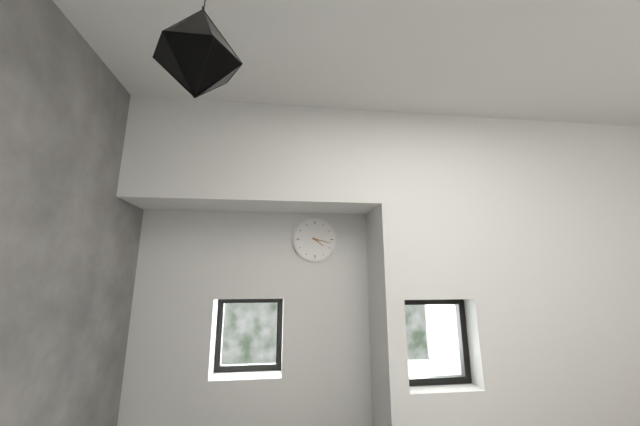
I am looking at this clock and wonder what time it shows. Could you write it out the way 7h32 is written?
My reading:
4h17
